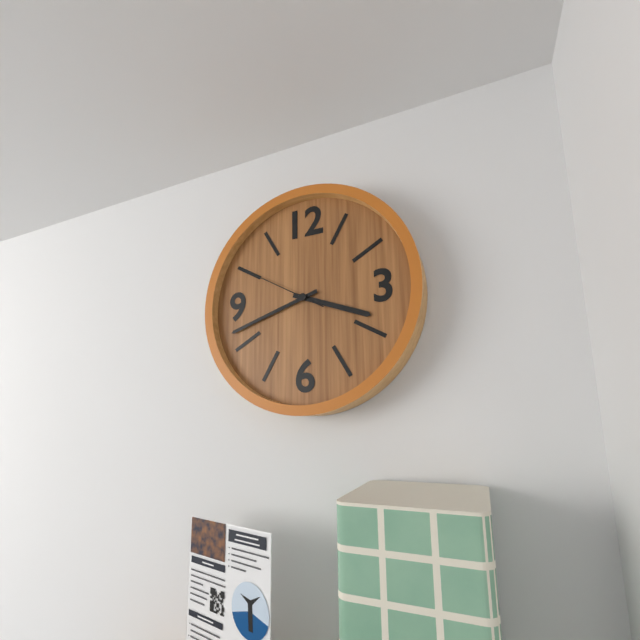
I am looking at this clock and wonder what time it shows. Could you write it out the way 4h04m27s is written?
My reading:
3h42m50s
